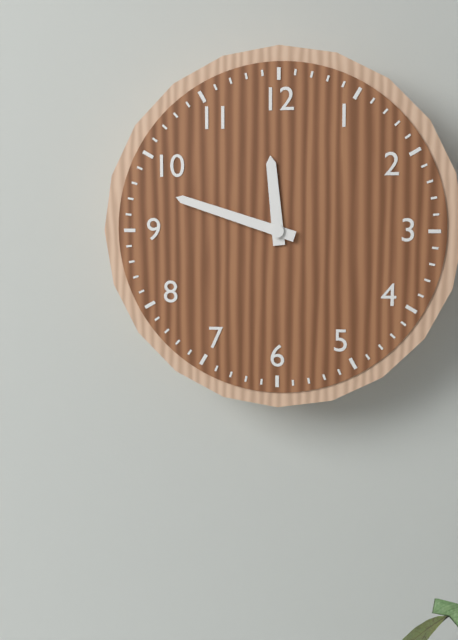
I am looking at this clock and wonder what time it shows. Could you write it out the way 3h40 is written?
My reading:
11h48
